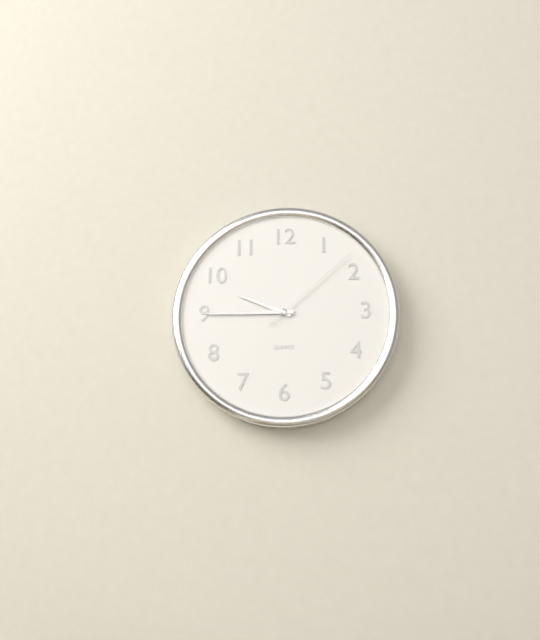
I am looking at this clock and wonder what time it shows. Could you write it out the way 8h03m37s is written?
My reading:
9h45m08s
